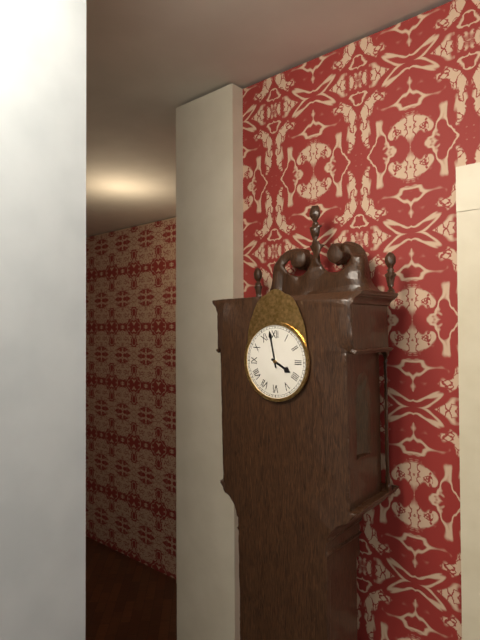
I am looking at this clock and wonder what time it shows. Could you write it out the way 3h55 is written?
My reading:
3h58
